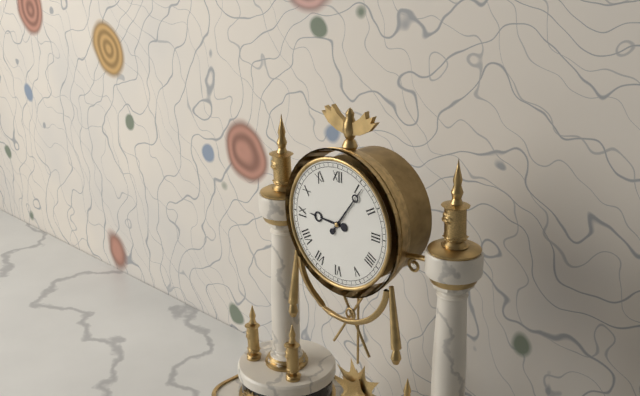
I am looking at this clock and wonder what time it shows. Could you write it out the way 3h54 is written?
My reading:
9h06
